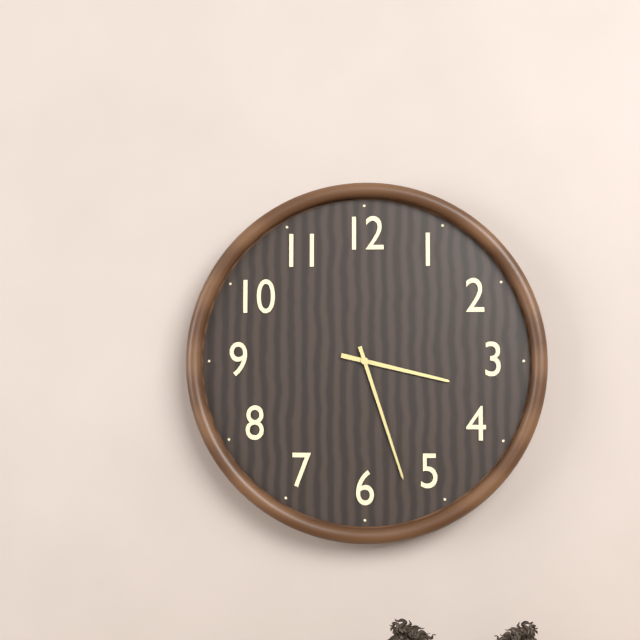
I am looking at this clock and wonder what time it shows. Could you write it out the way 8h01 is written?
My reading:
3h27
